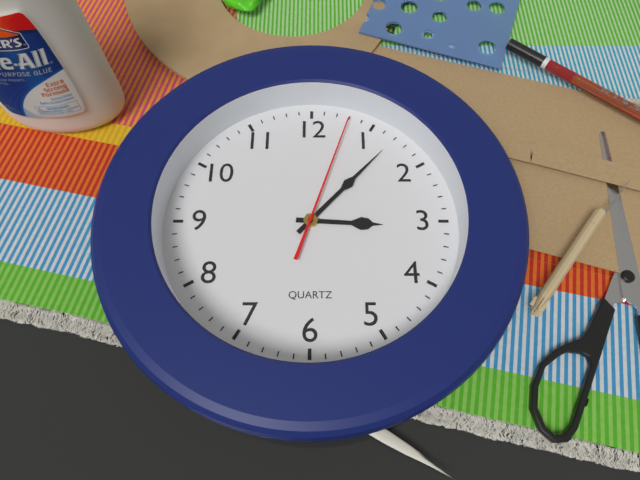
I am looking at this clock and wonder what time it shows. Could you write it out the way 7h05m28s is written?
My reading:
3h07m03s
